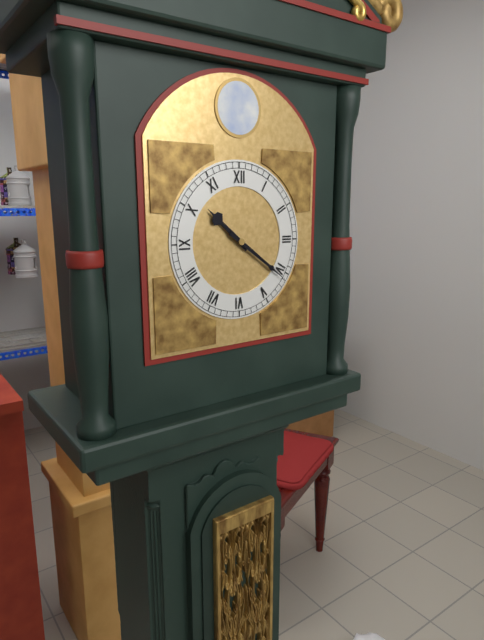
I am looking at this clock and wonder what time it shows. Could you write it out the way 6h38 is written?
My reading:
10h21
